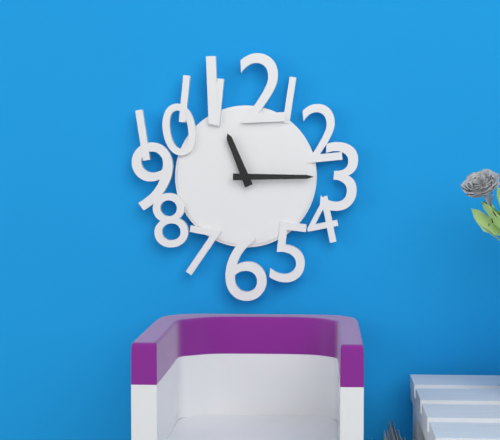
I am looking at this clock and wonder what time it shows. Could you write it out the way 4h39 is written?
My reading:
11h15
